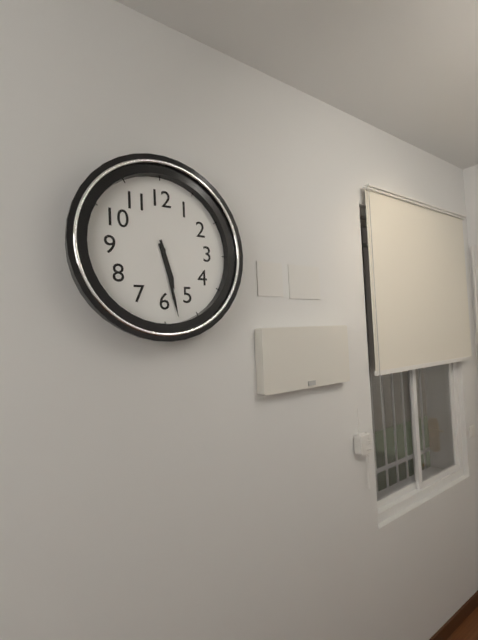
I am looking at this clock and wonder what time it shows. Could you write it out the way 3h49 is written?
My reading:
5h28
